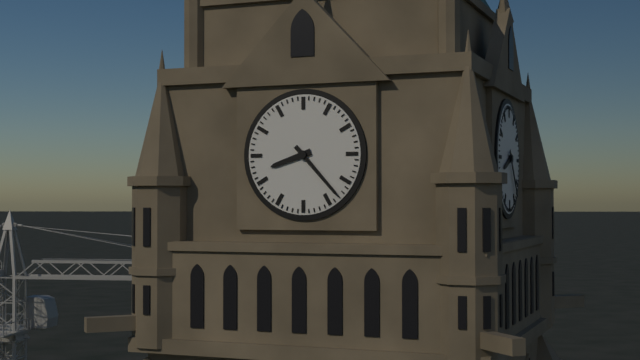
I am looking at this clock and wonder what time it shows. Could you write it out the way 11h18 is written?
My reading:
8h23
